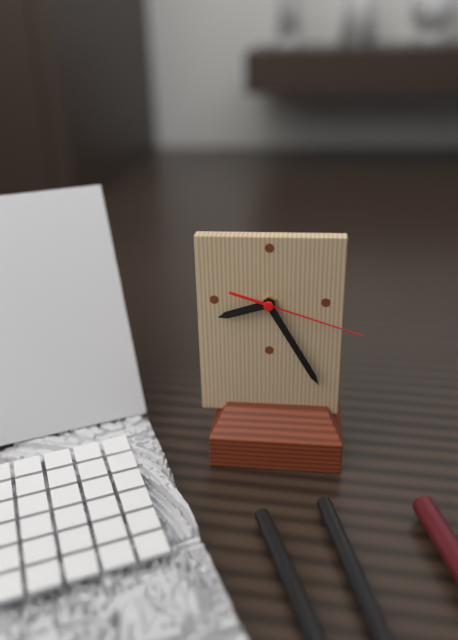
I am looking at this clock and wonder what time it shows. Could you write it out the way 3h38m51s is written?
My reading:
8h25m18s
